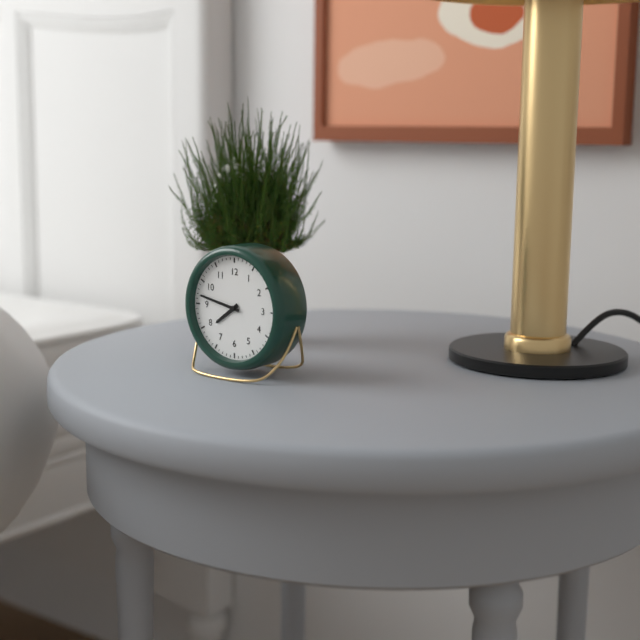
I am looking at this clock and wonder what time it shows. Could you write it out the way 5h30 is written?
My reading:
7h47
